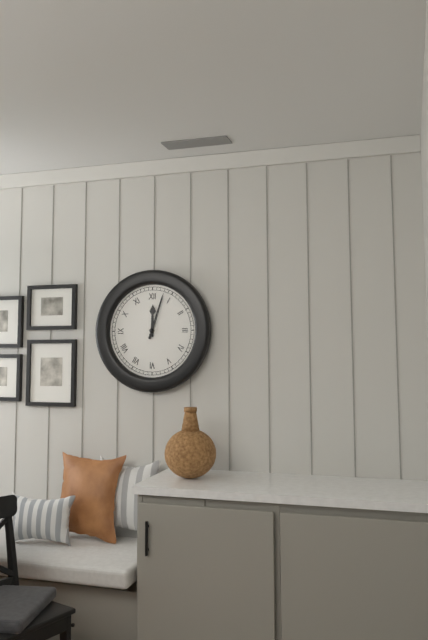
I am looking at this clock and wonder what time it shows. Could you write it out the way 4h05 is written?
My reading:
12h03
